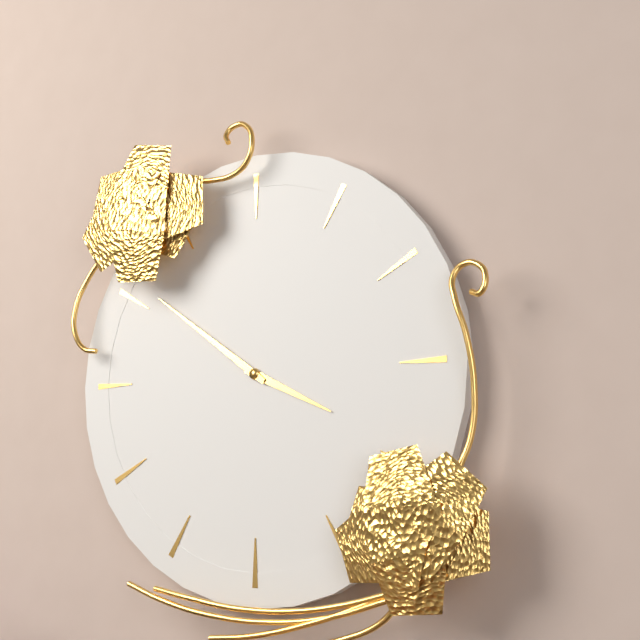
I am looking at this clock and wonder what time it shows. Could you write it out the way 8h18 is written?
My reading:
3h51
